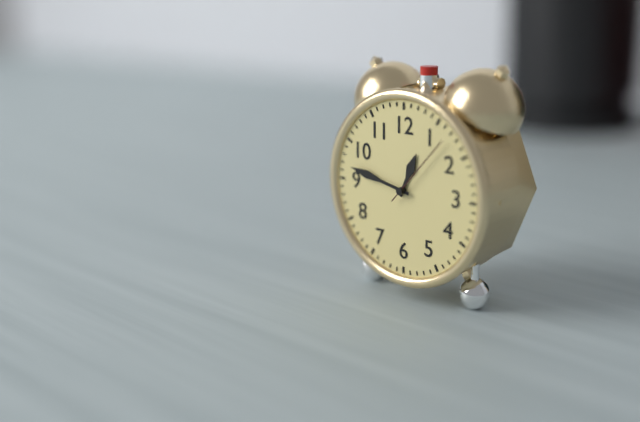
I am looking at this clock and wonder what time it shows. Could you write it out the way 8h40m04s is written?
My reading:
12h47m07s
